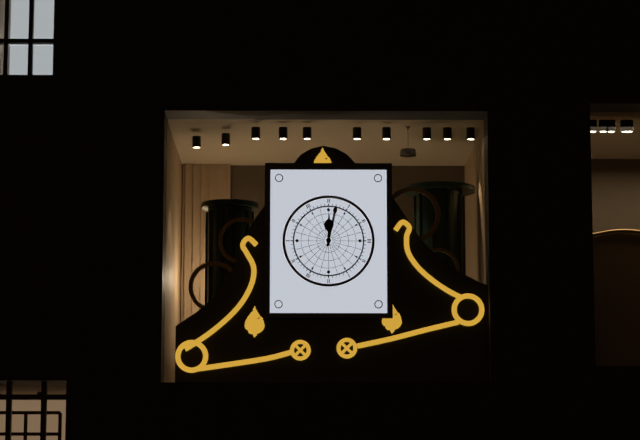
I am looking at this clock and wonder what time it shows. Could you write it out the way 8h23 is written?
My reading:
12h02
